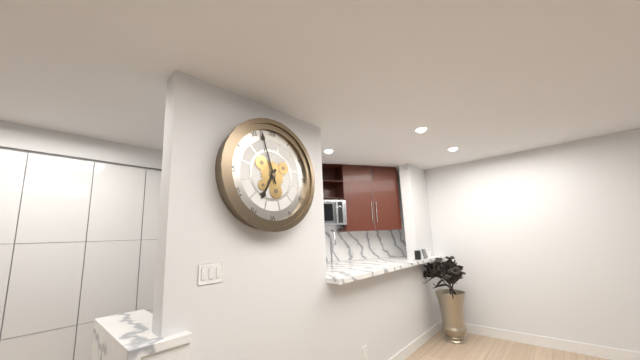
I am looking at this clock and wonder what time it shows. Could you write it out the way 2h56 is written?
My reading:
6h57
